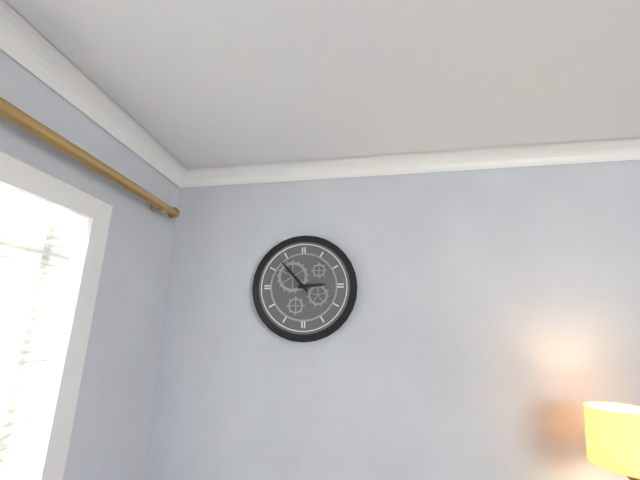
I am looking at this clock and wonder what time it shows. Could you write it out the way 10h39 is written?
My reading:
2h53
